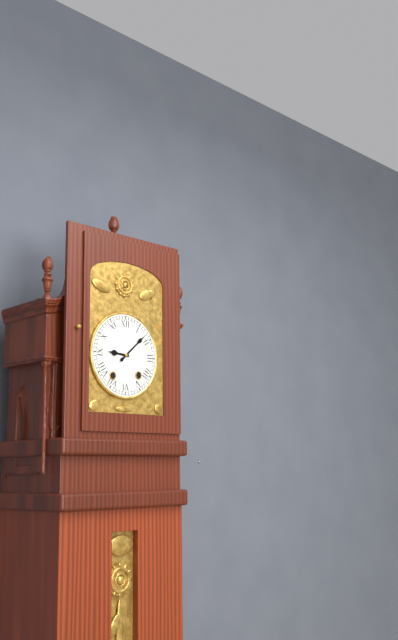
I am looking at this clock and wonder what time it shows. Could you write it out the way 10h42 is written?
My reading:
9h08
